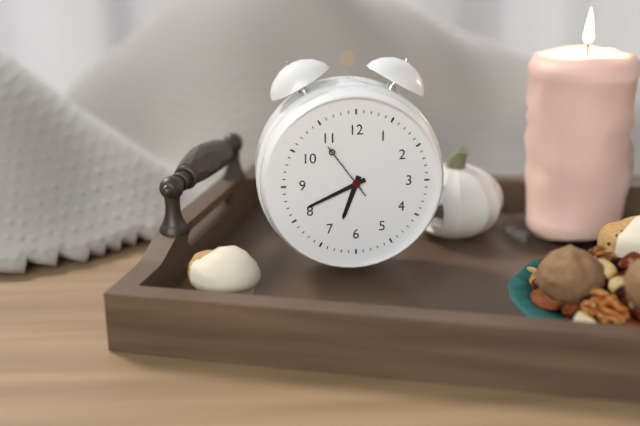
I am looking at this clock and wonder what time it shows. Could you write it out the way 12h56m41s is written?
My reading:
6h41m54s
